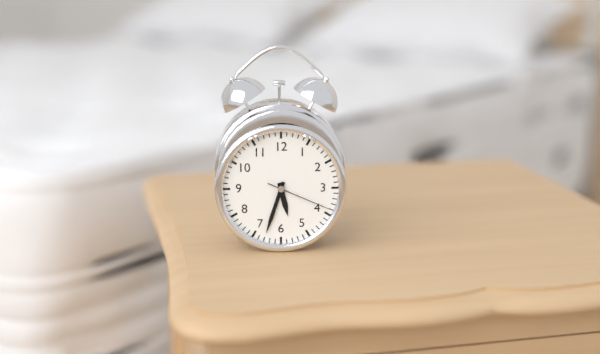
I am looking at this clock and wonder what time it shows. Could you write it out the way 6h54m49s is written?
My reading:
5h33m19s
